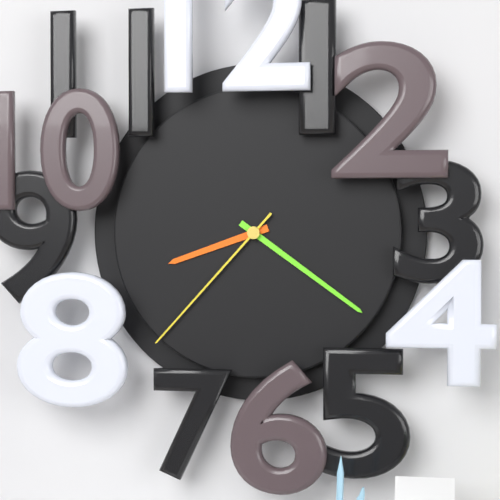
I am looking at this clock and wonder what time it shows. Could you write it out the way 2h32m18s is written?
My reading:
8h21m37s
